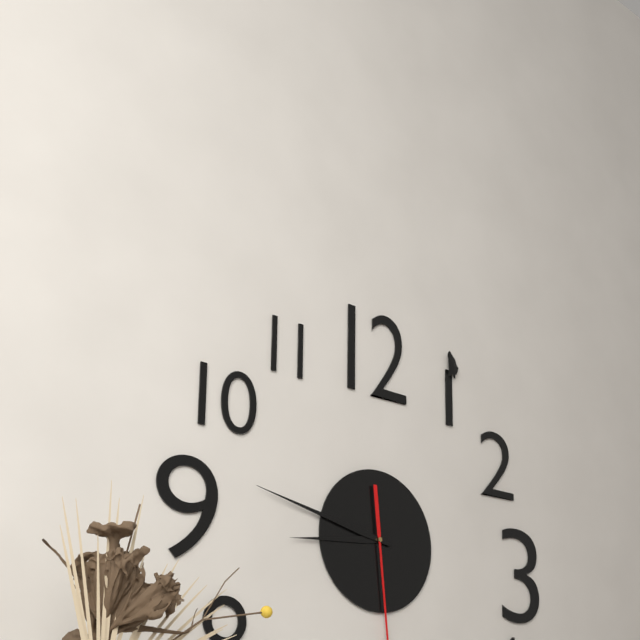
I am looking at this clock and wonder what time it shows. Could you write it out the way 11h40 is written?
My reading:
8h47
